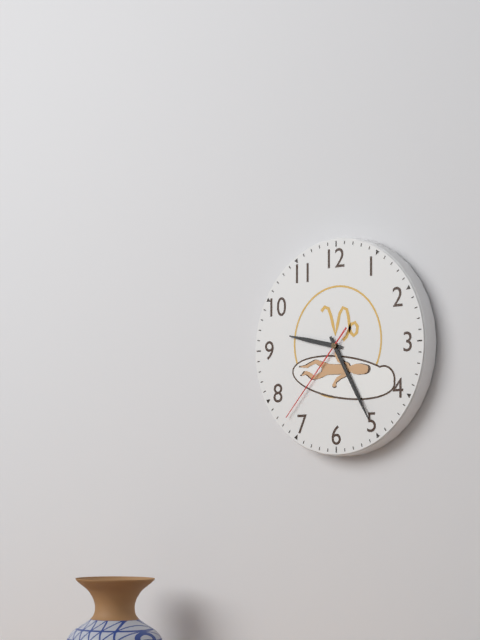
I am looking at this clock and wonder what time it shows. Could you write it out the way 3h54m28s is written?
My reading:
9h25m37s
